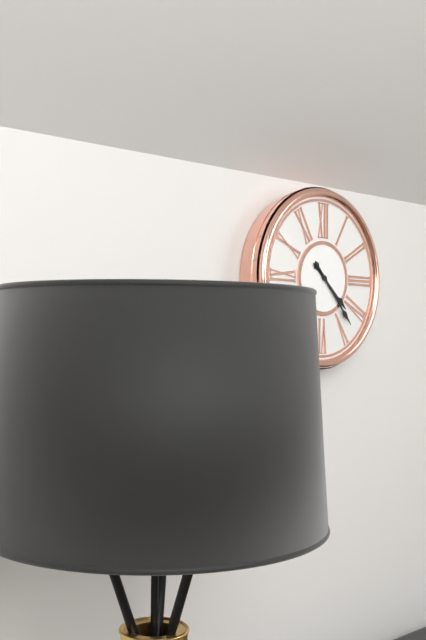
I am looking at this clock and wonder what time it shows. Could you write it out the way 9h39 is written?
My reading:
4h23
